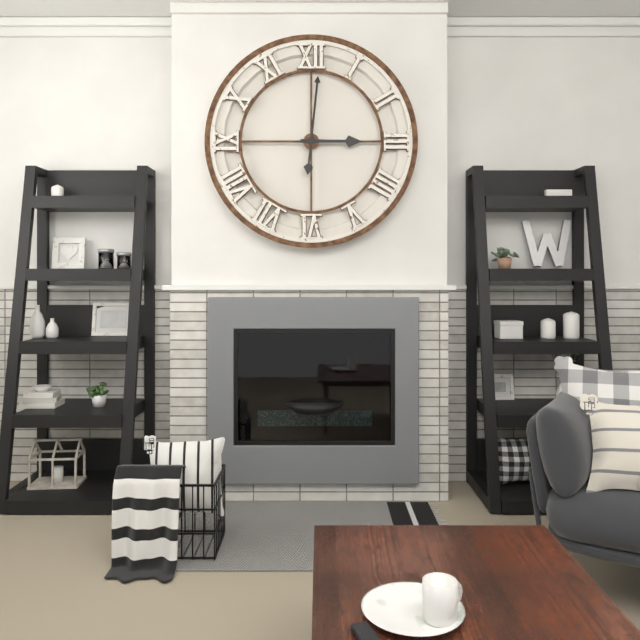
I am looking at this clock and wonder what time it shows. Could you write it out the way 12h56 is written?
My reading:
3h01
